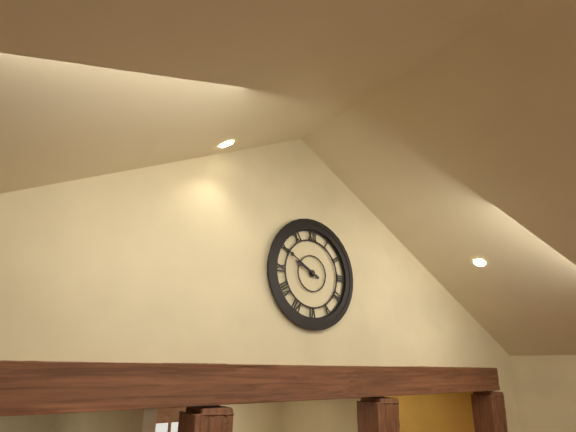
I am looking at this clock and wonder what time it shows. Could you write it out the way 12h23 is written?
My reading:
9h50
